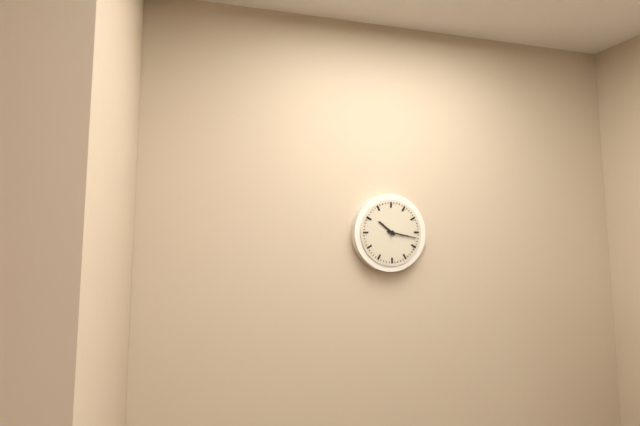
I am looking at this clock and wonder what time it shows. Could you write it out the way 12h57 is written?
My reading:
10h17
